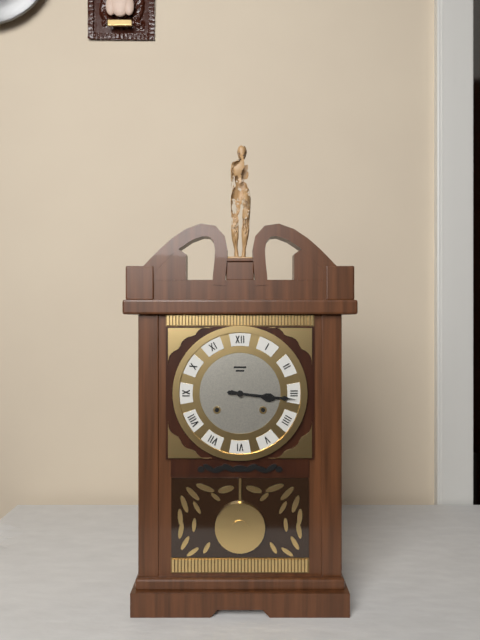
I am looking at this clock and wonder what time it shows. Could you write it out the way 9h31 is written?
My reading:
3h16
